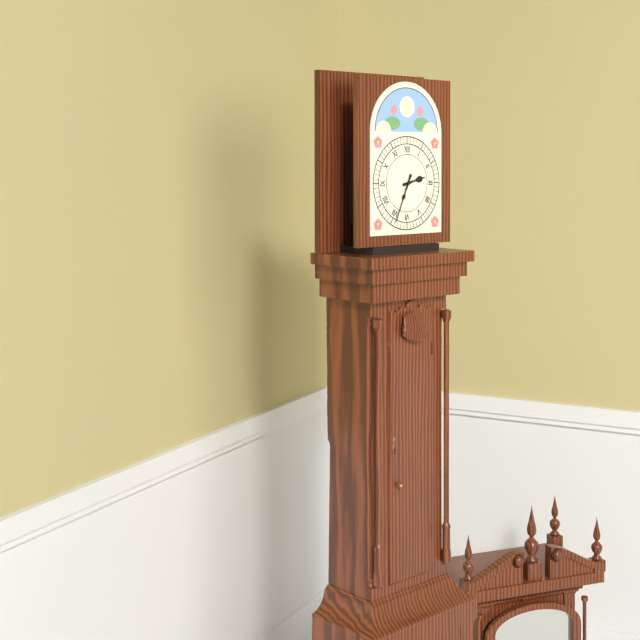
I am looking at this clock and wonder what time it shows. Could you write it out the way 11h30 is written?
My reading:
2h34
